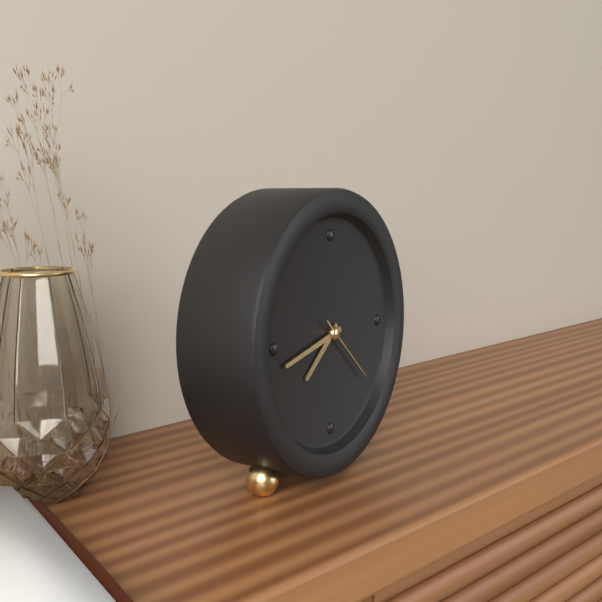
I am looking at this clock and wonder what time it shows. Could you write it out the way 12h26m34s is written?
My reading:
7h43m22s
